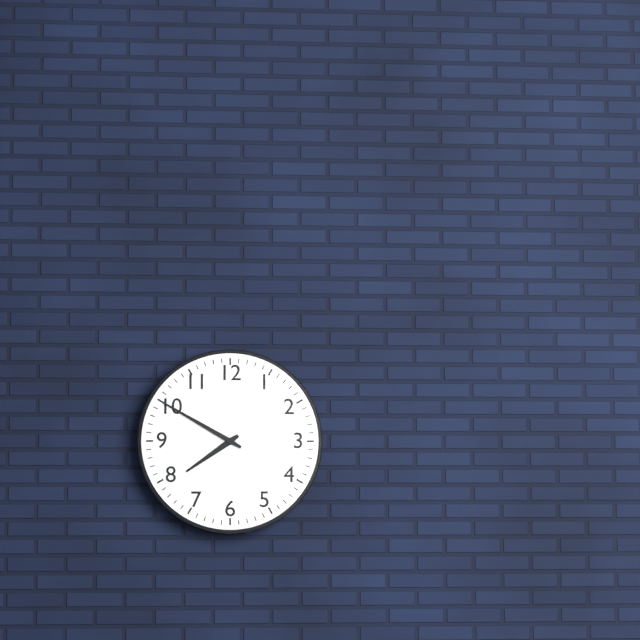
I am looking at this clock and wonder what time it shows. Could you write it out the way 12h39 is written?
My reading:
7h50
